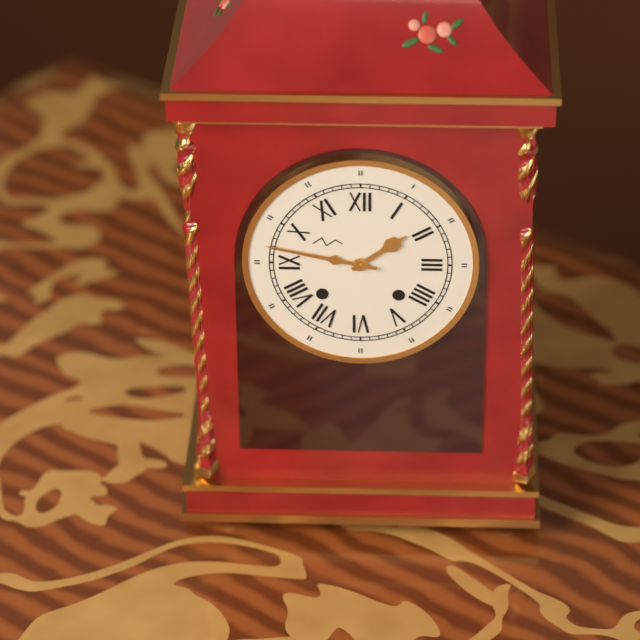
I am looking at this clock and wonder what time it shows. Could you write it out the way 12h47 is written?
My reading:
1h47
